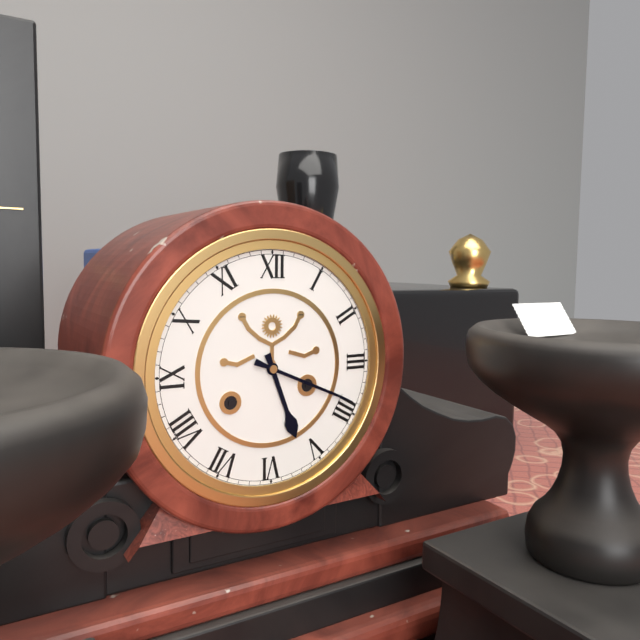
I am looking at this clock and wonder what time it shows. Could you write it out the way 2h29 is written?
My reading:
5h19
